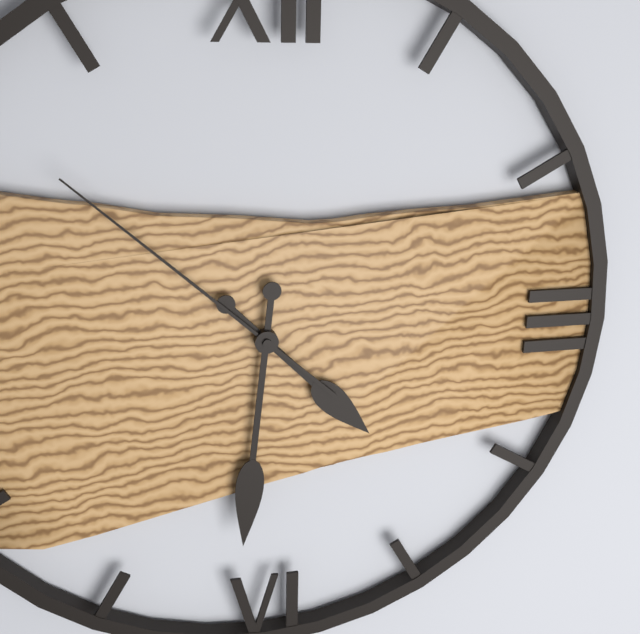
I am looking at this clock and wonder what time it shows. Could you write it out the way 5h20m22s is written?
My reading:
4h31m52s
